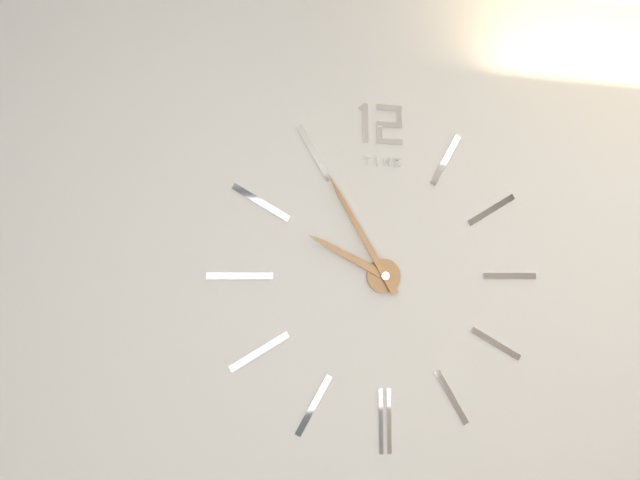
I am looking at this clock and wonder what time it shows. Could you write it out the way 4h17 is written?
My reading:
9h55
